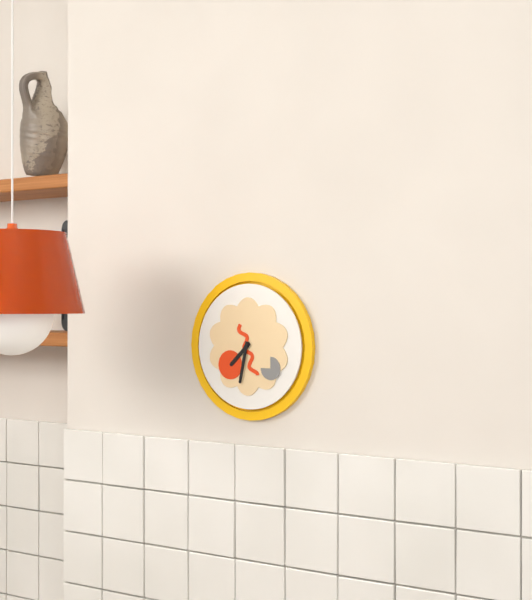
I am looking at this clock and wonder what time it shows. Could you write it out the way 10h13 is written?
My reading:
7h32
